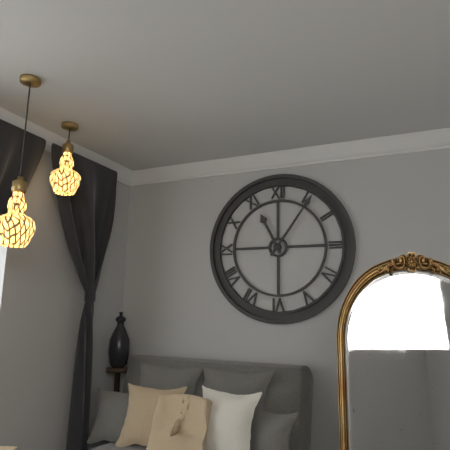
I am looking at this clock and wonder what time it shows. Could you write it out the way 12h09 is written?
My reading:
11h06
